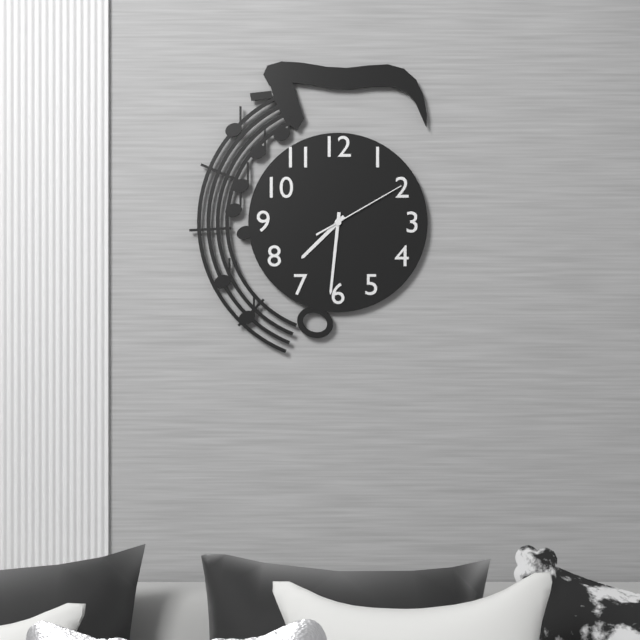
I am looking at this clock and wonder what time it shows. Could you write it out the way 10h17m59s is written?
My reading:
7h31m10s
